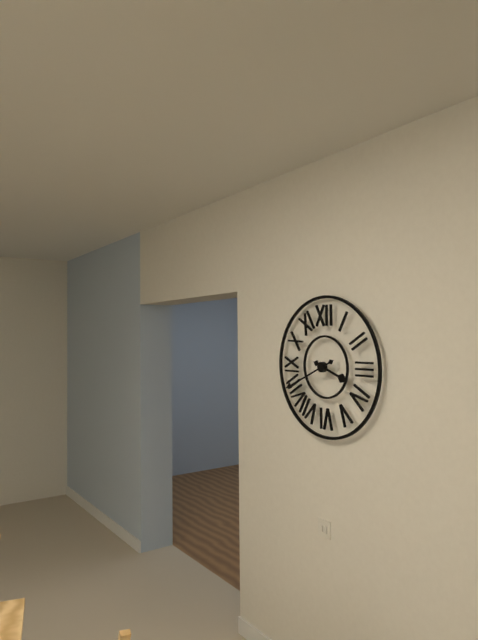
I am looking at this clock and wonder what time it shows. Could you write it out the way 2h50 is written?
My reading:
3h41
